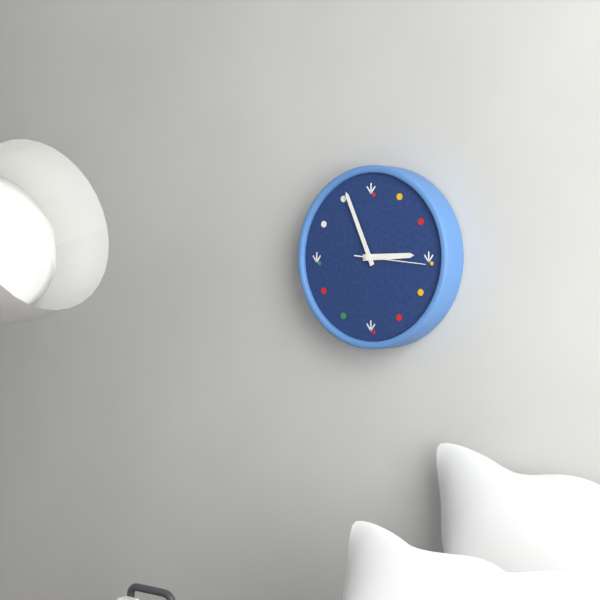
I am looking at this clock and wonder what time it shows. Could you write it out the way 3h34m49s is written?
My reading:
2h56m16s
